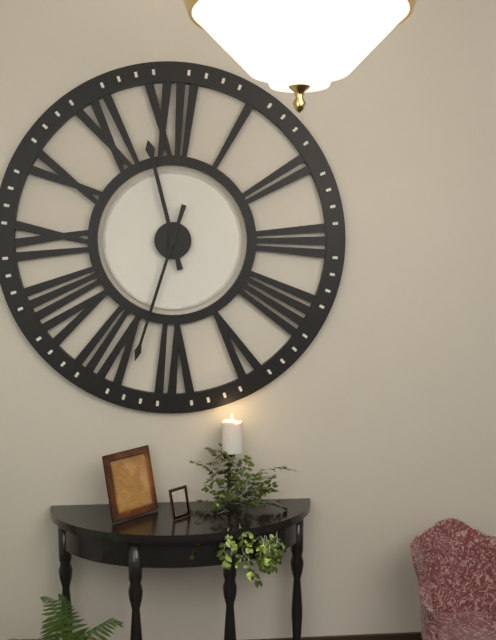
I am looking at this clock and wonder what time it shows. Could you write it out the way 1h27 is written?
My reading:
11h33
